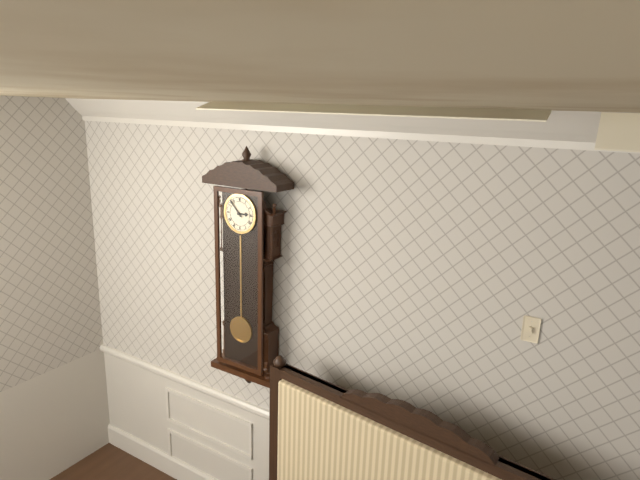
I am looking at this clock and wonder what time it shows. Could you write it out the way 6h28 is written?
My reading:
2h53
